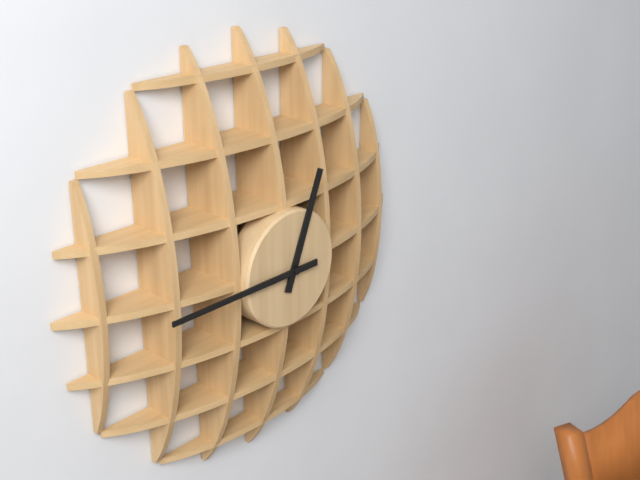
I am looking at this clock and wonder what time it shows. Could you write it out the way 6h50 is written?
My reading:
12h45
